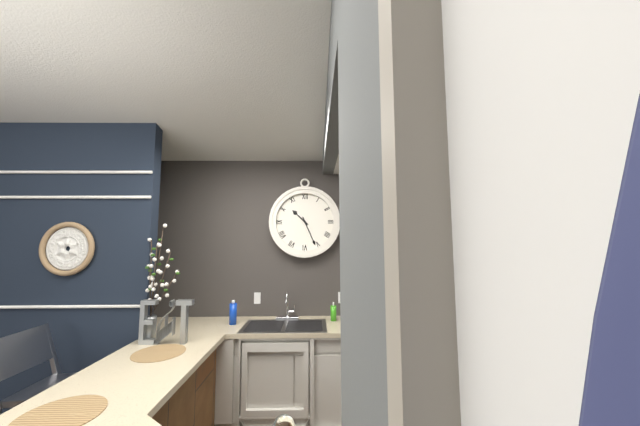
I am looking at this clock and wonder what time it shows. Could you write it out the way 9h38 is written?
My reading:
10h26
